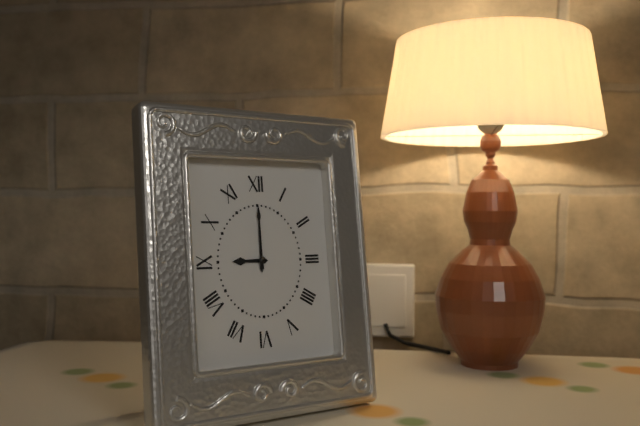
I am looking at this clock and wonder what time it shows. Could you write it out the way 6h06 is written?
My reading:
9h00
